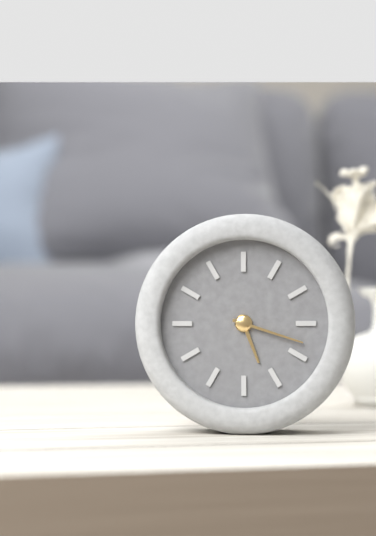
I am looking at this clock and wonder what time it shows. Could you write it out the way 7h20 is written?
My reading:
5h18
